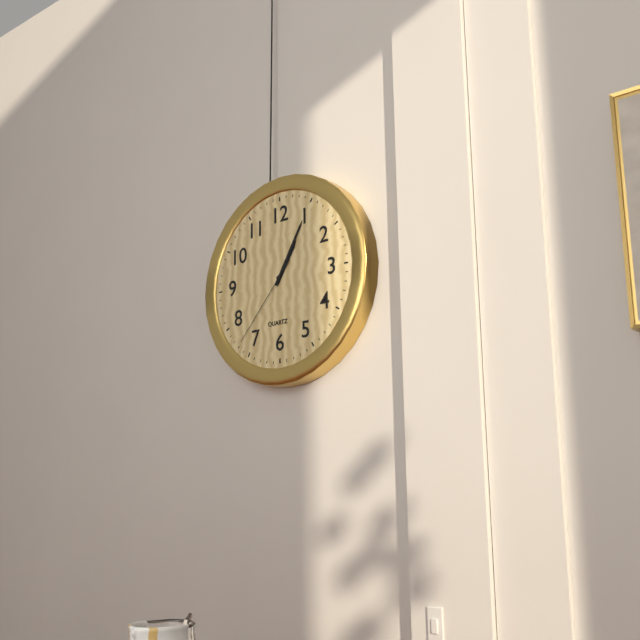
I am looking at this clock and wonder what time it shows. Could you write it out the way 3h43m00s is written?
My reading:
1h05m37s
